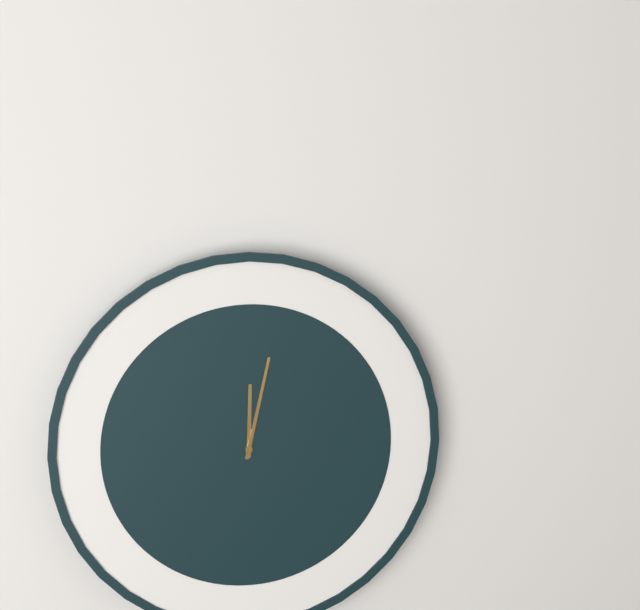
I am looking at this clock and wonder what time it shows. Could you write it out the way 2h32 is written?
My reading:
12h02
